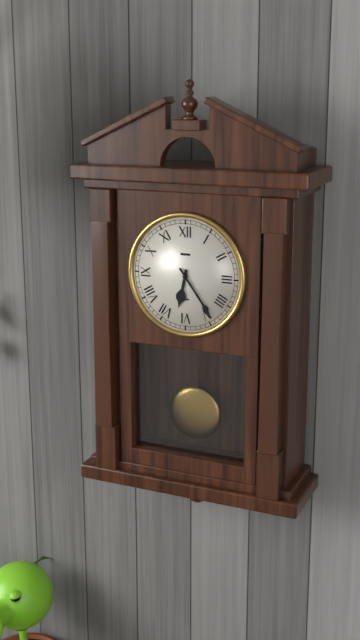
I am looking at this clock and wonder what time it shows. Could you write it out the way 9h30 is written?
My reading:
6h24
